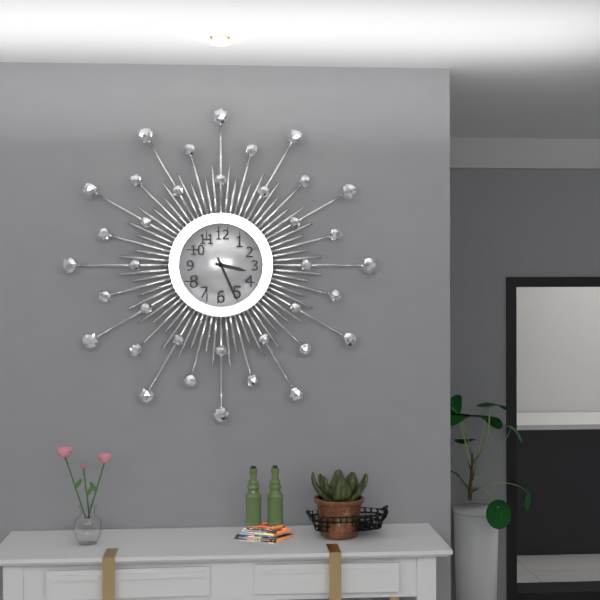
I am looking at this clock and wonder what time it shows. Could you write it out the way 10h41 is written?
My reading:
3h26
